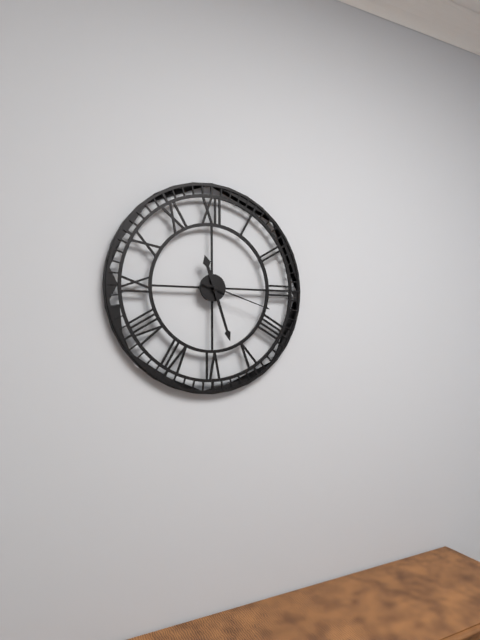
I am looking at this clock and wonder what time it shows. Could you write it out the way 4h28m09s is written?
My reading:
11h27m18s
